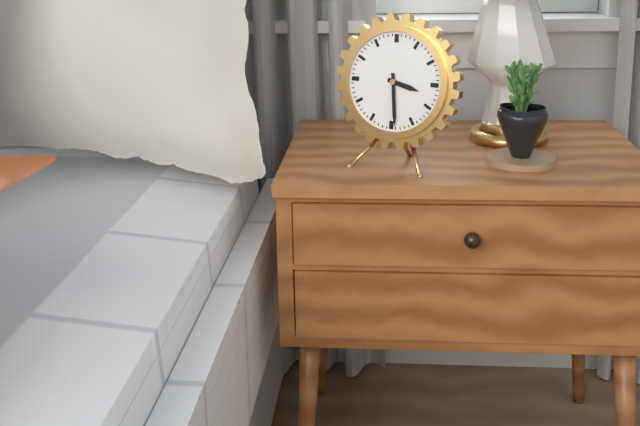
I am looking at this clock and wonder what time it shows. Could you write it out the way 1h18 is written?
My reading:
3h29
